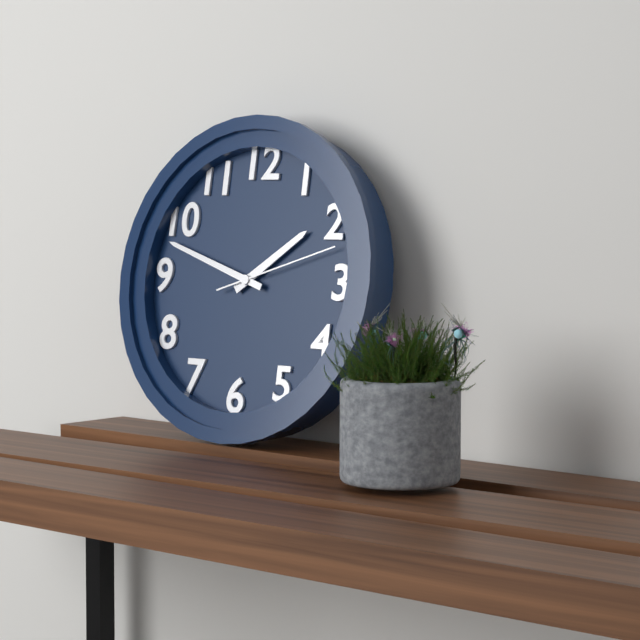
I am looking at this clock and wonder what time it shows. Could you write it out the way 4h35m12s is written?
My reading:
1h48m12s
